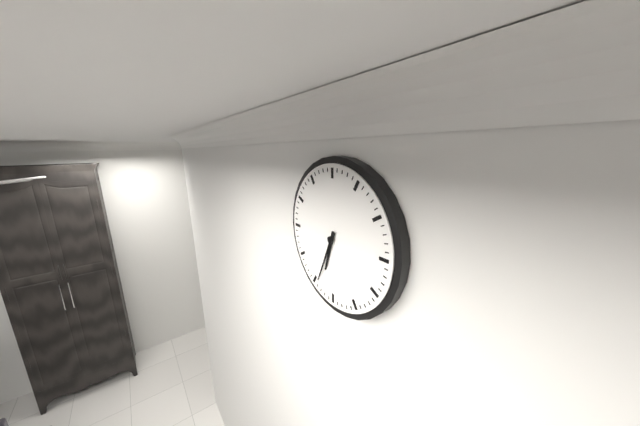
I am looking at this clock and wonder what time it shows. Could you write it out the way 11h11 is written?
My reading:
6h34
